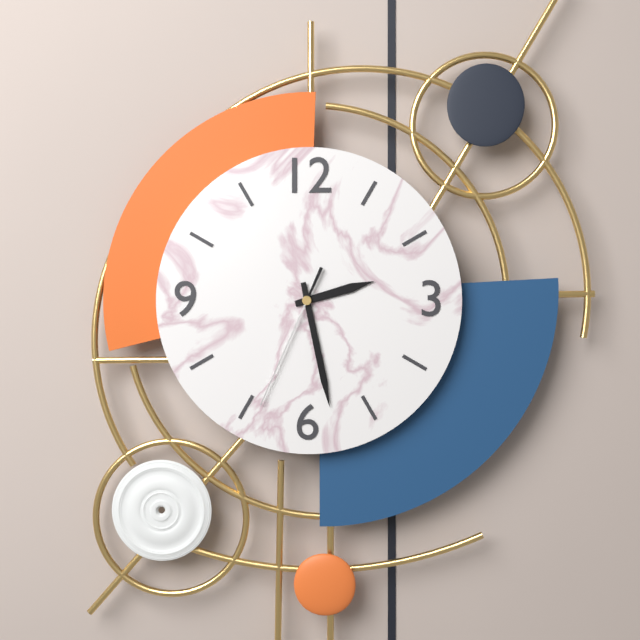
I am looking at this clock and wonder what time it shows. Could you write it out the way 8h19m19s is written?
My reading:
2h28m34s
